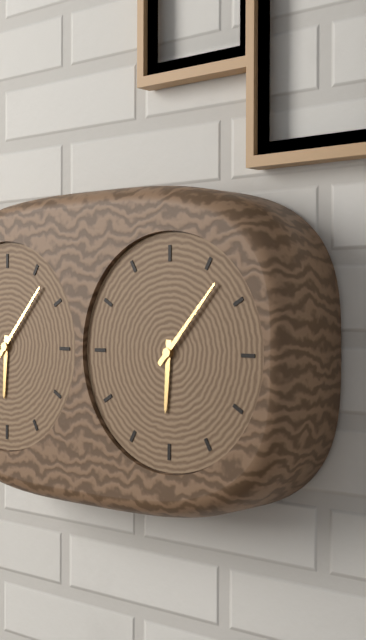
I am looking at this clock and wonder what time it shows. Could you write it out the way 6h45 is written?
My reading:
6h07
